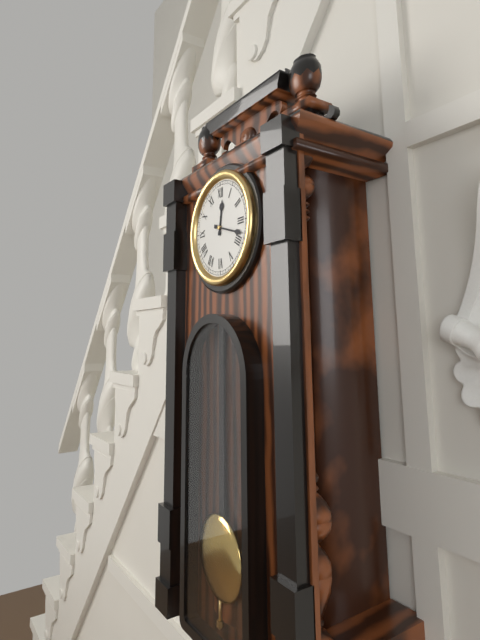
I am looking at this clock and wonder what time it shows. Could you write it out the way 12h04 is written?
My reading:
12h18
